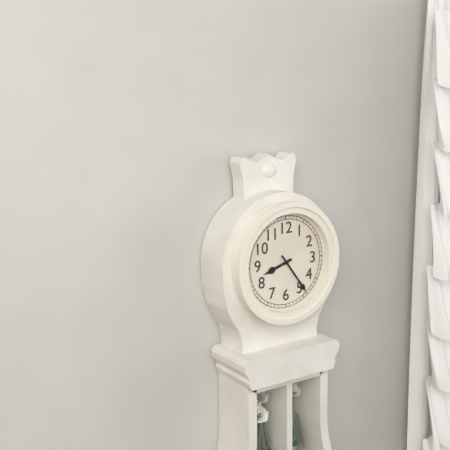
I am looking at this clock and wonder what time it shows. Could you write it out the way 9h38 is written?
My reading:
8h24
